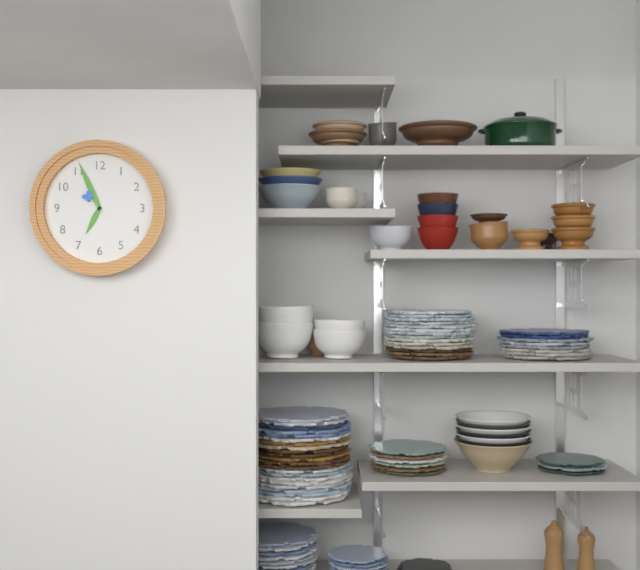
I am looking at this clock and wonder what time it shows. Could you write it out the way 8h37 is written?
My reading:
6h56
